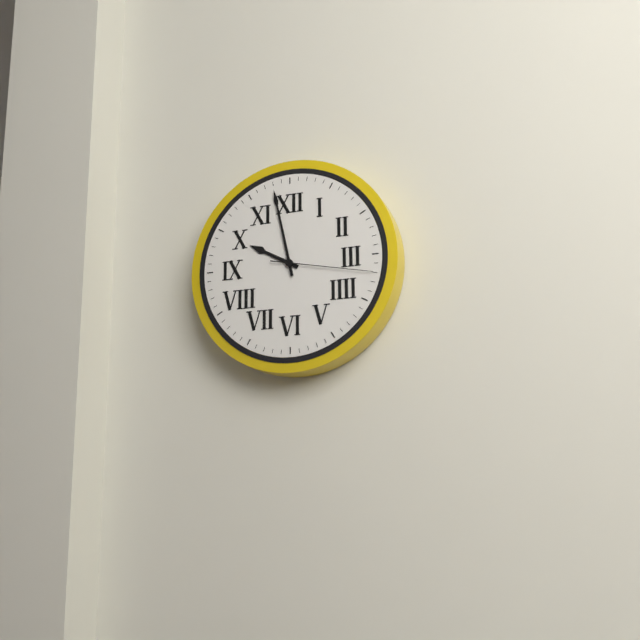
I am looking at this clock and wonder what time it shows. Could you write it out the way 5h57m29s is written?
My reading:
9h58m17s
